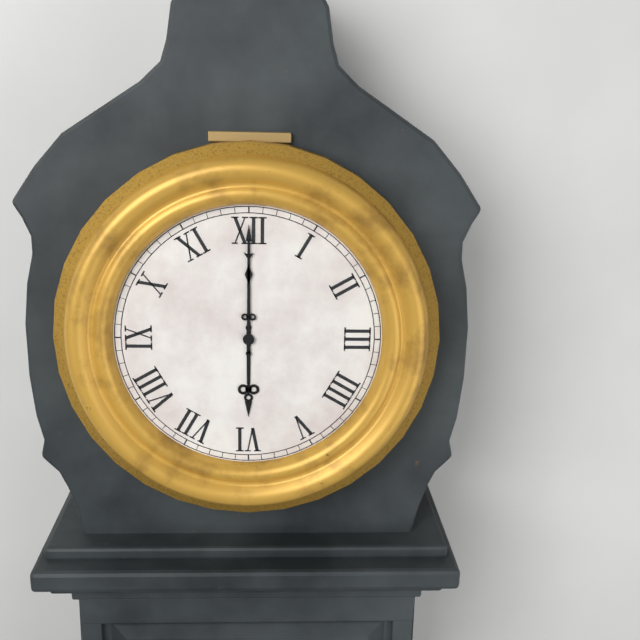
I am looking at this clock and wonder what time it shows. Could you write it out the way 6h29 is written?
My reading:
6h00
